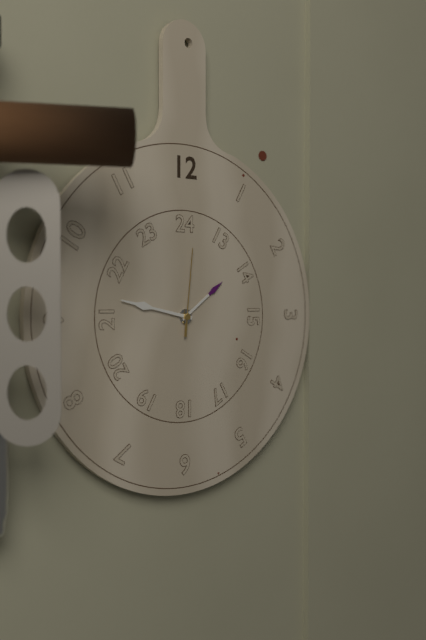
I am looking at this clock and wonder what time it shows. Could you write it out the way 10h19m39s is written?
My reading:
1h47m01s
